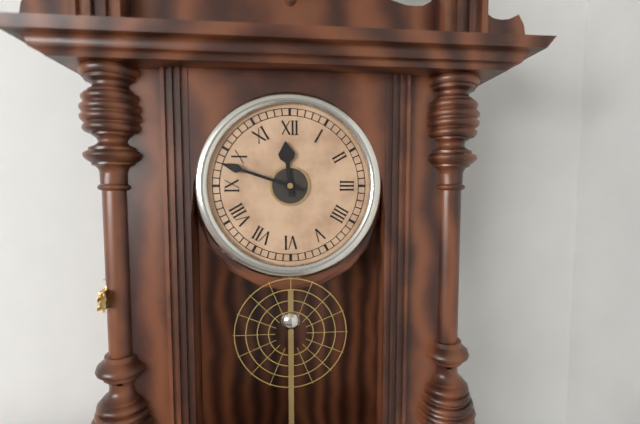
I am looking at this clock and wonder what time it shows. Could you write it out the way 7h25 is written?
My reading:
11h48
